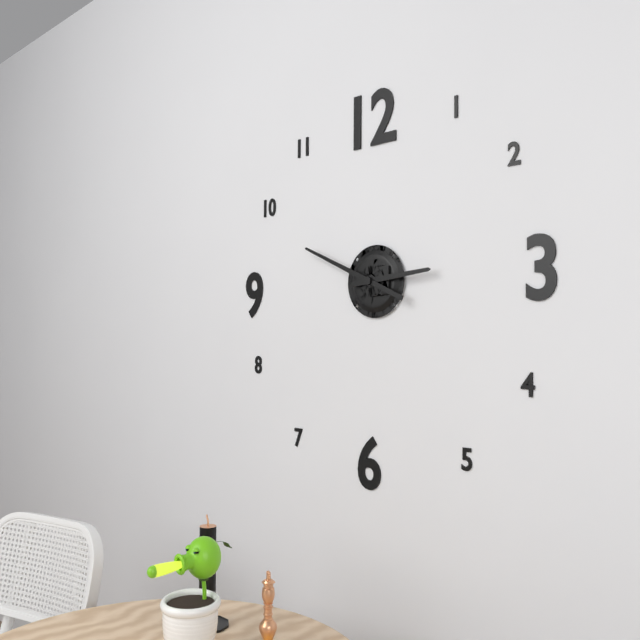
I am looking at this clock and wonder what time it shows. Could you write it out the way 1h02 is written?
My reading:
2h49
